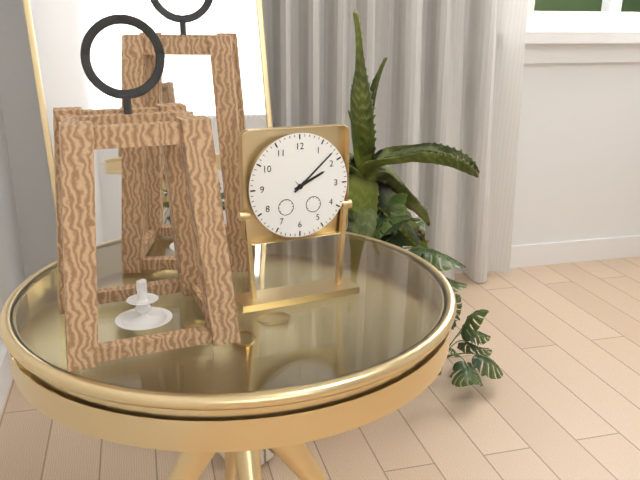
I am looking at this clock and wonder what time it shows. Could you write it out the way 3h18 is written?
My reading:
2h08
